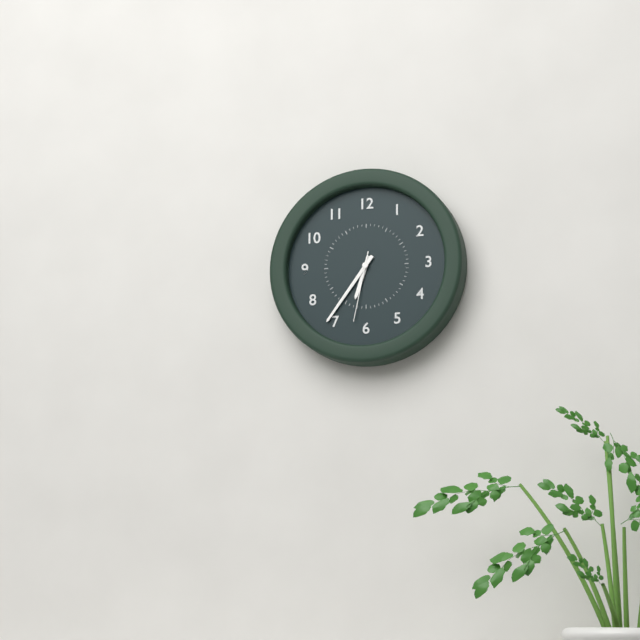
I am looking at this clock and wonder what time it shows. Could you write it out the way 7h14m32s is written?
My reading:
6h36m32s
